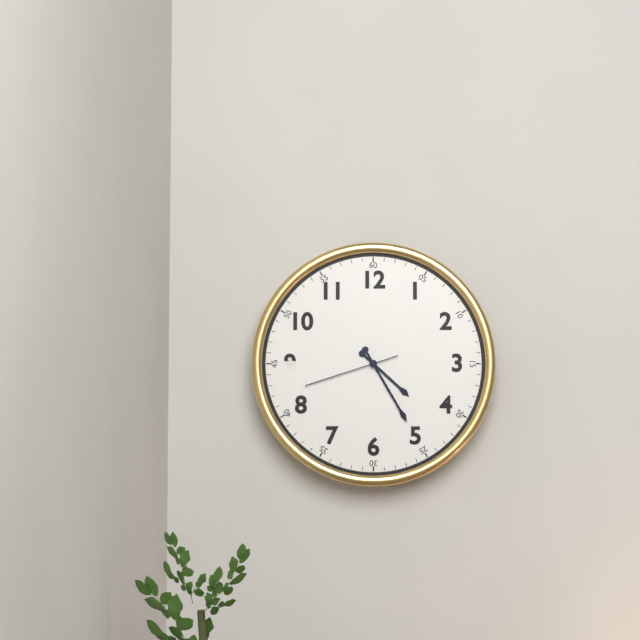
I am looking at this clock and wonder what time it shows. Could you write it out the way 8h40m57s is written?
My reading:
4h25m42s
